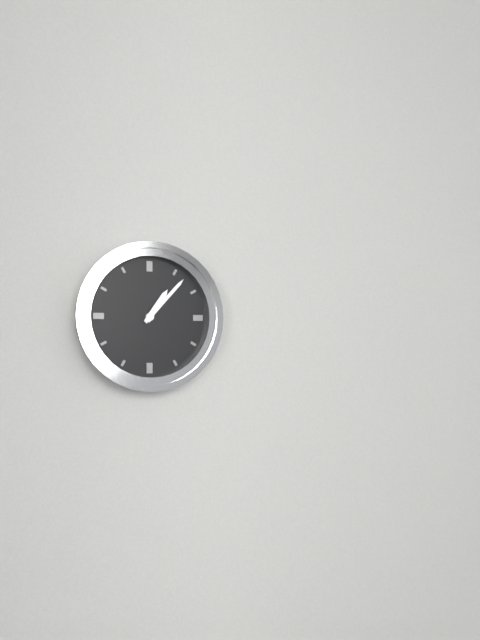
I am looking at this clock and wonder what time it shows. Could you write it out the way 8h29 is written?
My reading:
1h07
